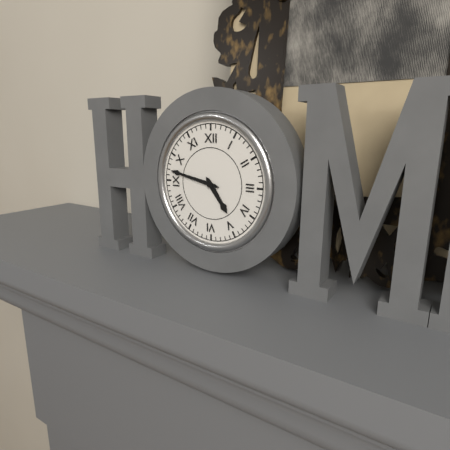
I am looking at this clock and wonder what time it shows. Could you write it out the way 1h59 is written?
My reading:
4h47
